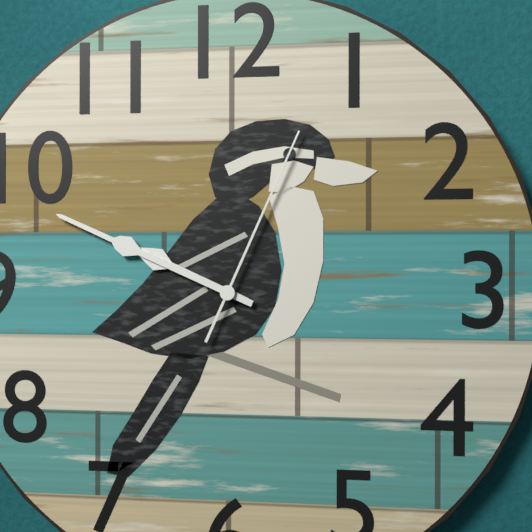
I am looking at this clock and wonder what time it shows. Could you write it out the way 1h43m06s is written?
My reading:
9h49m04s
